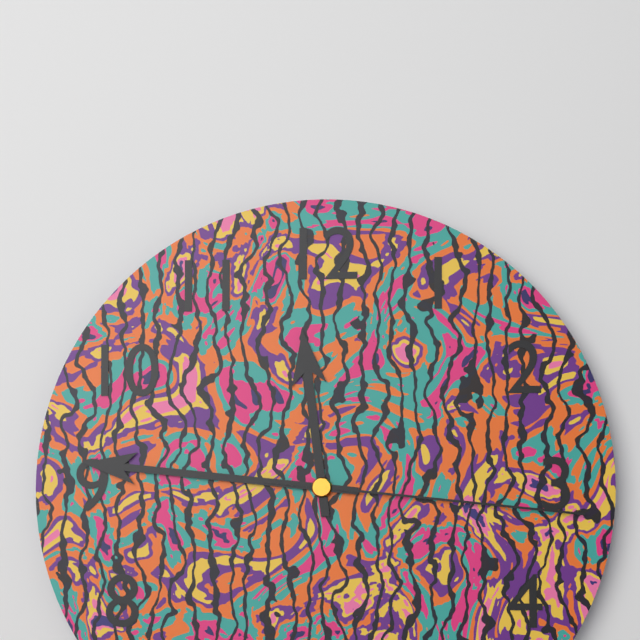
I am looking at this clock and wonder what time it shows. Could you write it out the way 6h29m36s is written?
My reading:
11h46m16s
